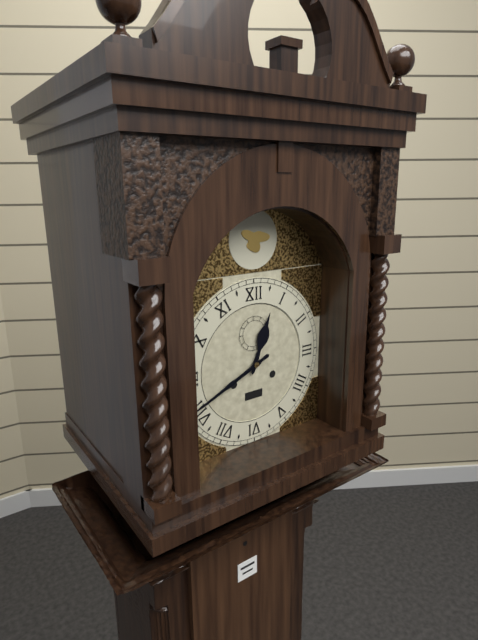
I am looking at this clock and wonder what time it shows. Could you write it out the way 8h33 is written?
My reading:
12h41
